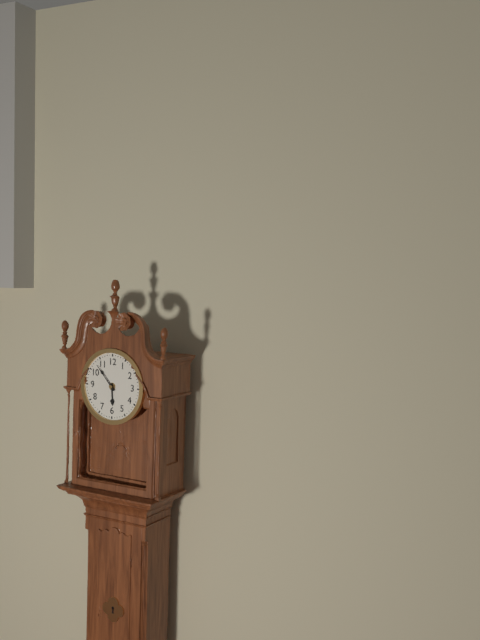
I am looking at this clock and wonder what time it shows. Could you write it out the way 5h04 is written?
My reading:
5h53
